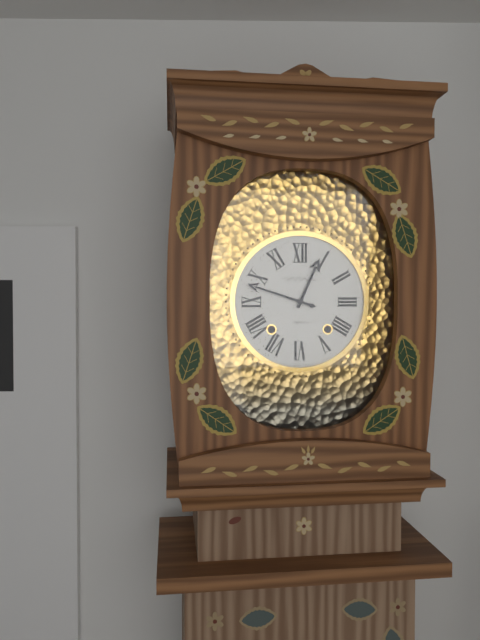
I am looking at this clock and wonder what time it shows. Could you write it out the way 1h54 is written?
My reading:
12h48
